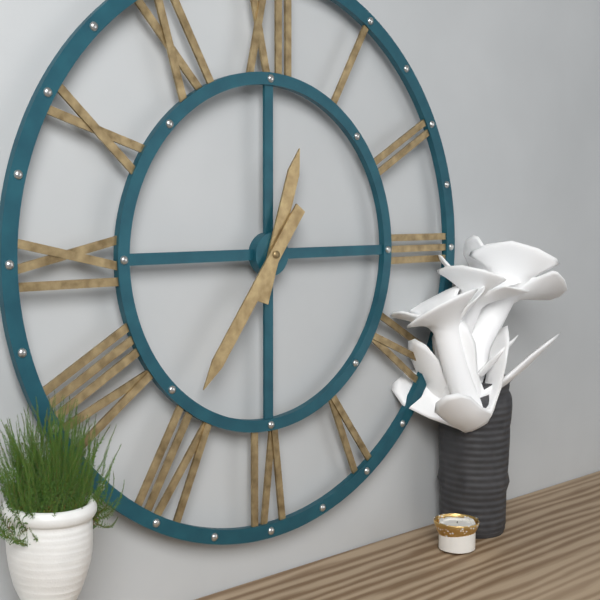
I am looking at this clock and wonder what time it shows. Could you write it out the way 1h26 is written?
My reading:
12h36
